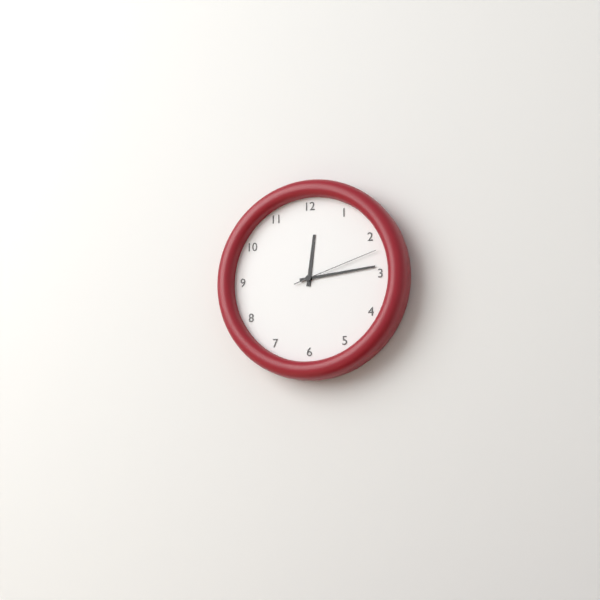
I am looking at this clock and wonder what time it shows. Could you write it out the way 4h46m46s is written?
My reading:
12h14m12s
